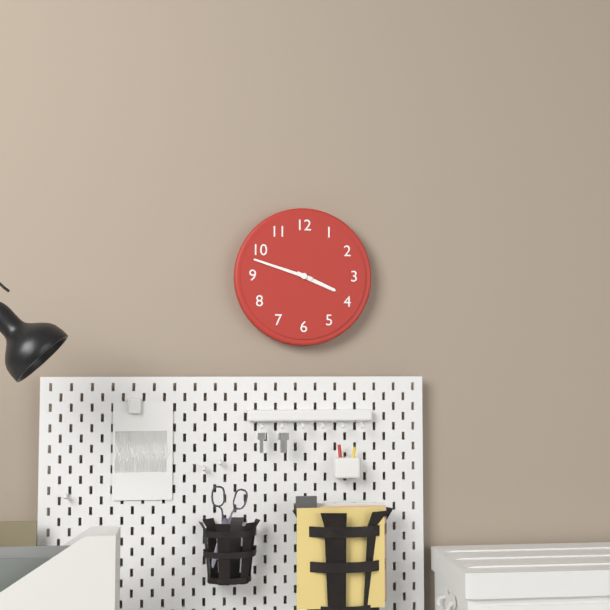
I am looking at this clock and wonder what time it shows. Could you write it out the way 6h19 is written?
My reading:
3h48
